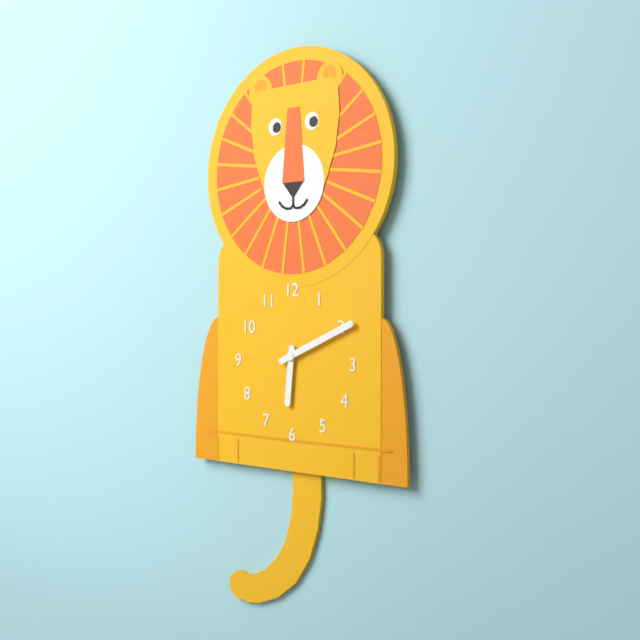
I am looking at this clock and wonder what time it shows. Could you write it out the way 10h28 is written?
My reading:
6h11
